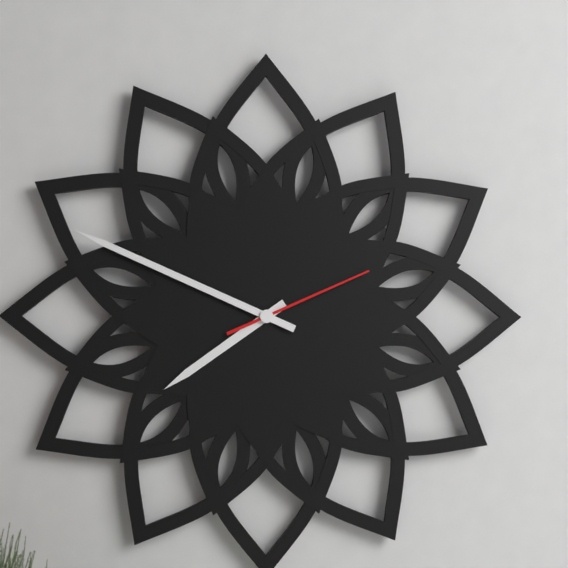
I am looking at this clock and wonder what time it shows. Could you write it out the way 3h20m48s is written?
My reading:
7h49m11s
